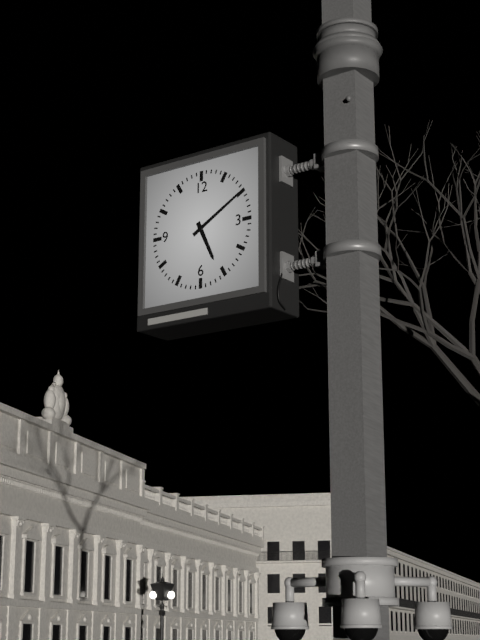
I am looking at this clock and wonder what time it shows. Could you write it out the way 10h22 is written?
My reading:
5h10
